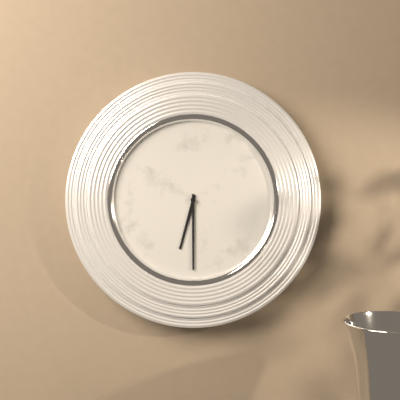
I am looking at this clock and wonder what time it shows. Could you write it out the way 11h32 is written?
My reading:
6h30
